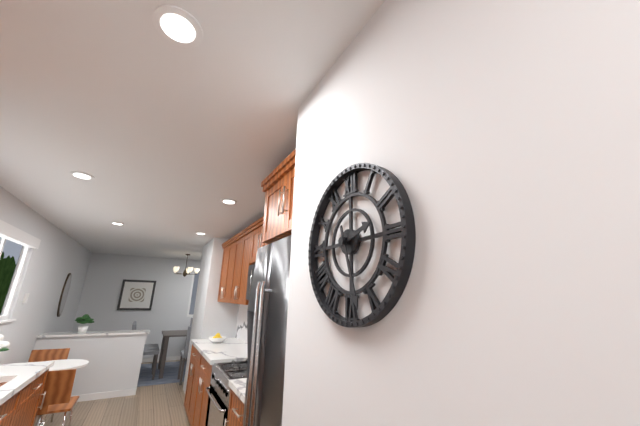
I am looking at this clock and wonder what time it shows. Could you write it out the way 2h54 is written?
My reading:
2h27
